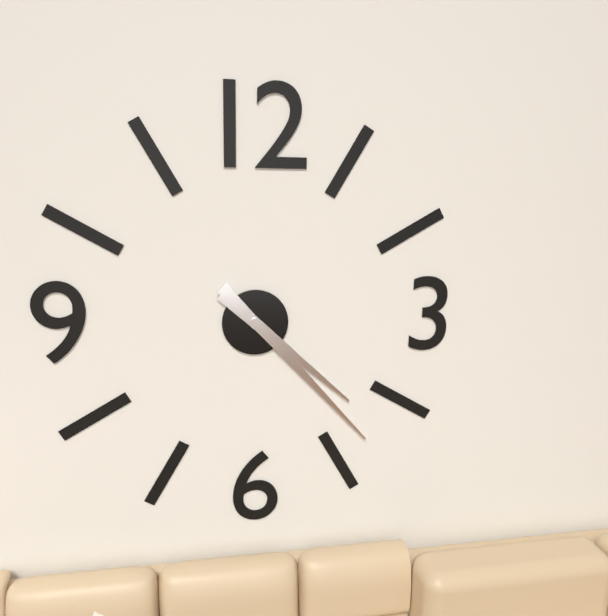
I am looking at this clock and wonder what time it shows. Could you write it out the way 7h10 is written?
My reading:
4h23
